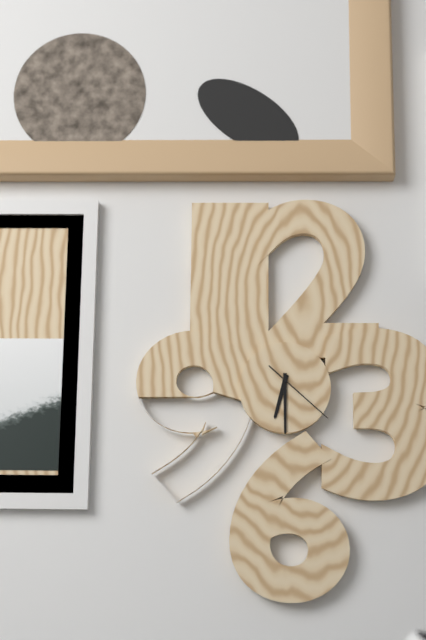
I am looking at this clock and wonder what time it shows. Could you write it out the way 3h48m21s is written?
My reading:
6h30m22s
